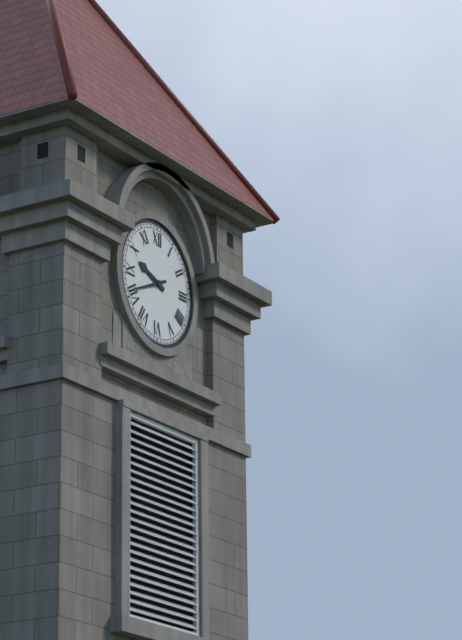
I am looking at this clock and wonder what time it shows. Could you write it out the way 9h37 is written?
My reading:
9h41
